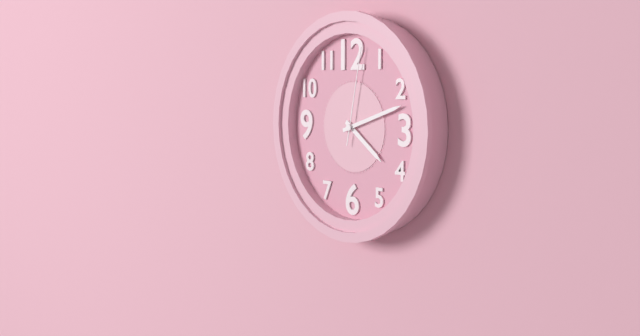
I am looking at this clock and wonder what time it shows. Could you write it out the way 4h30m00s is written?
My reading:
4h12m02s
